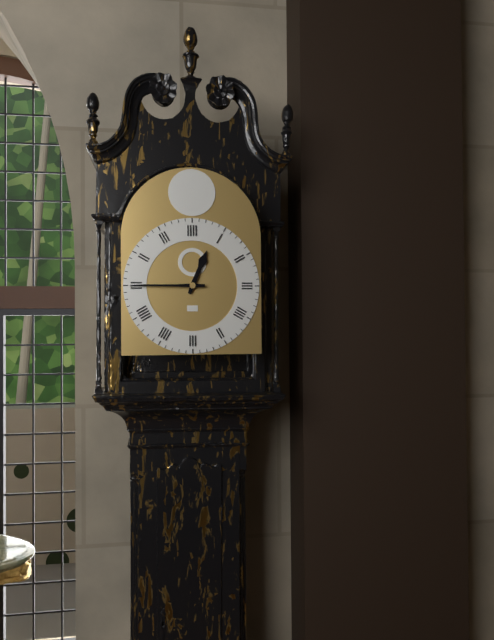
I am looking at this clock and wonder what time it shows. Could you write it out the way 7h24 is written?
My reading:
12h45
